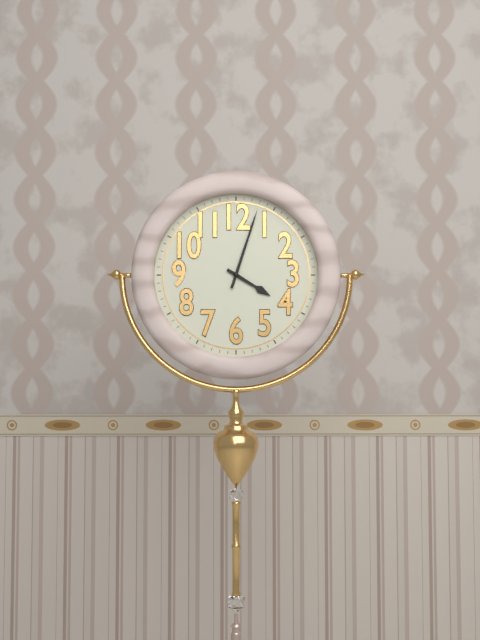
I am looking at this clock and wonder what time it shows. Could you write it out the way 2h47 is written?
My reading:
4h03
